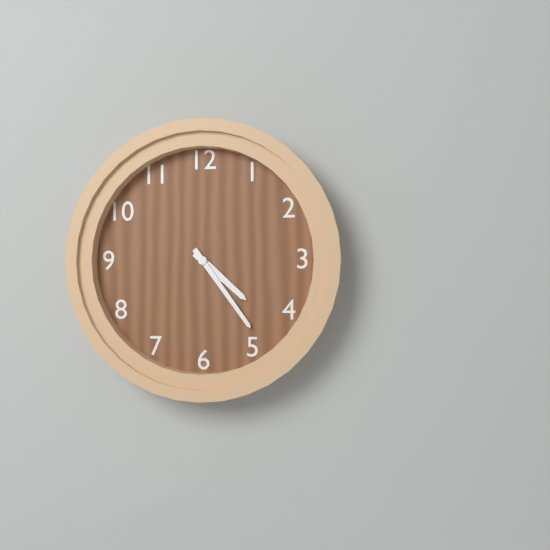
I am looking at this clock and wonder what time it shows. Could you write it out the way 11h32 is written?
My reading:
4h24
